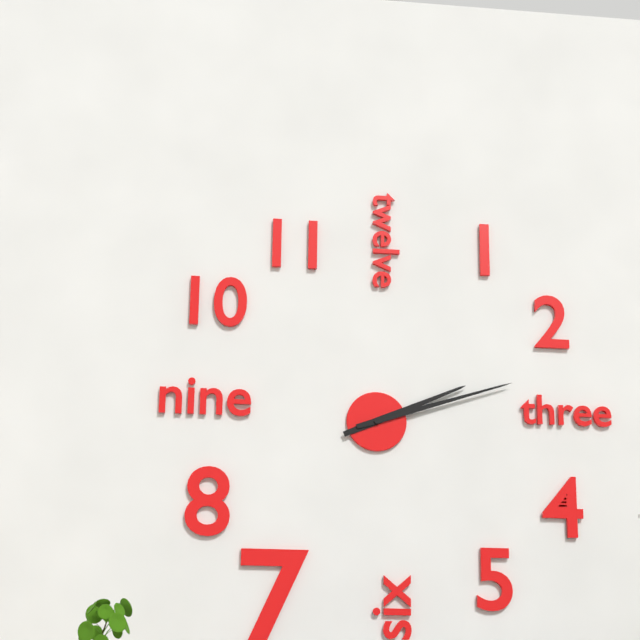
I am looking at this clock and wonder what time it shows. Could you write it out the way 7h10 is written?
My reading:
2h12
